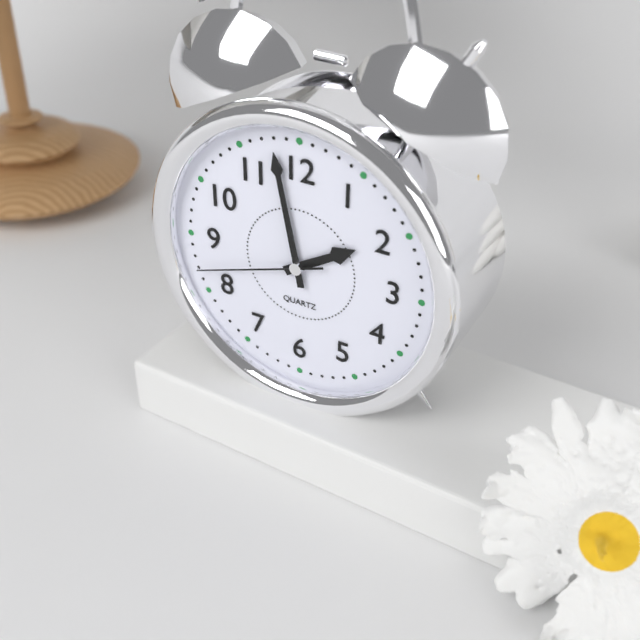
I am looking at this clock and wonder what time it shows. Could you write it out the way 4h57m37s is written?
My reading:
1h58m42s
